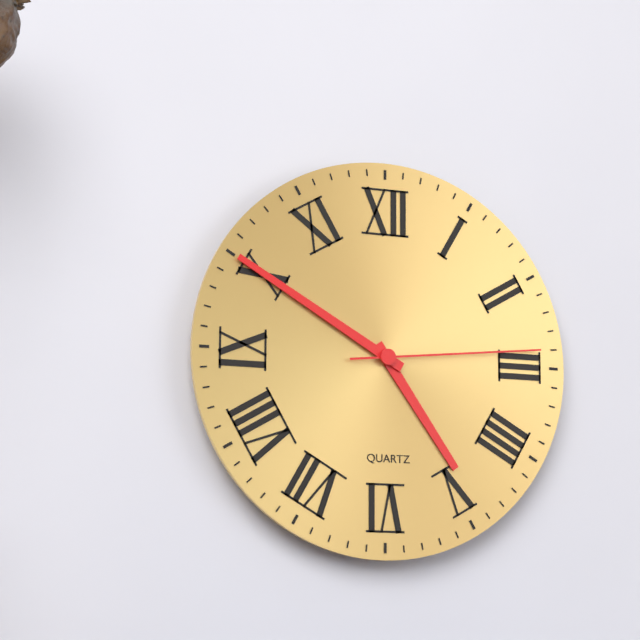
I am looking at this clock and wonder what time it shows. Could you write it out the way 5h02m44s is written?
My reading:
4h50m14s
